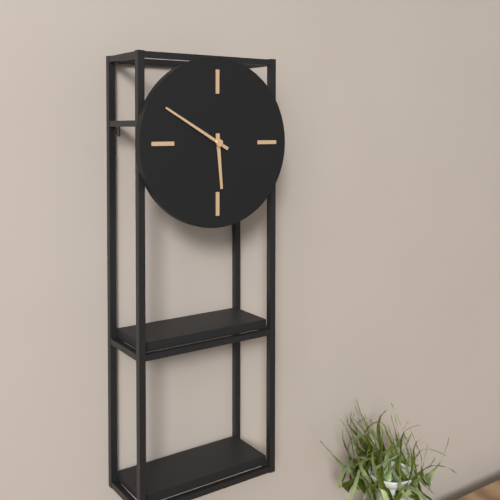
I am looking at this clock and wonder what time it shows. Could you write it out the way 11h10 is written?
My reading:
5h50
